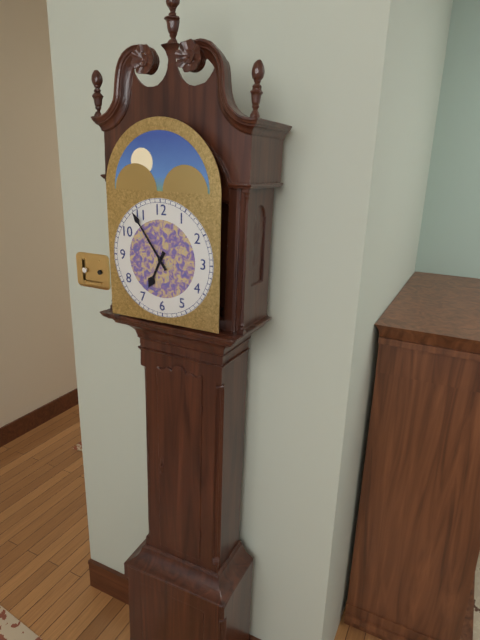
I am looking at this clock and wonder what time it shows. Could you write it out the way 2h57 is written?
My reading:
6h54
